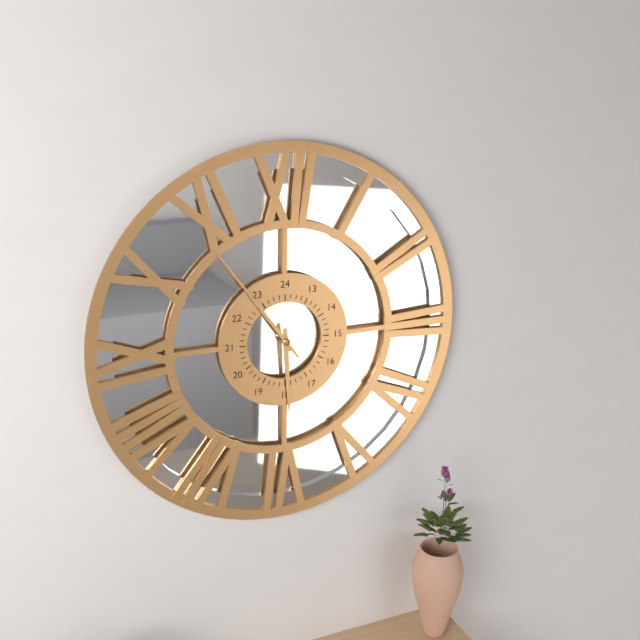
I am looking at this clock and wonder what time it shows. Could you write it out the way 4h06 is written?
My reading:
5h54
